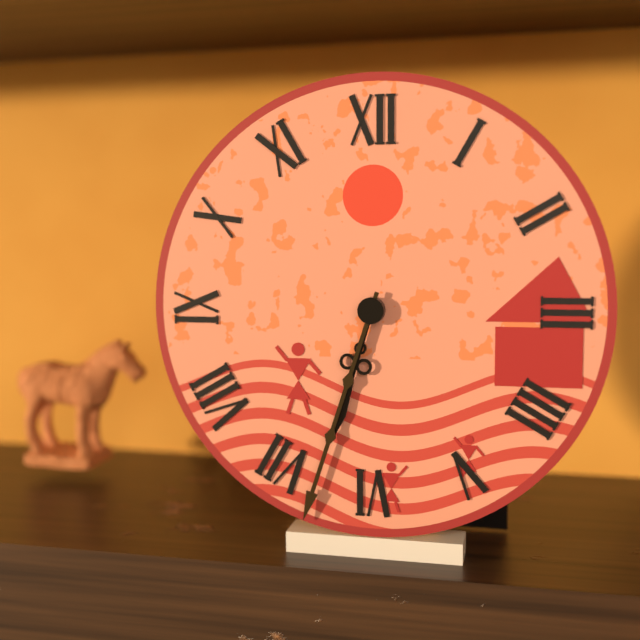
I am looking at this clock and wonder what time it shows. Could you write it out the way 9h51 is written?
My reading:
6h33
